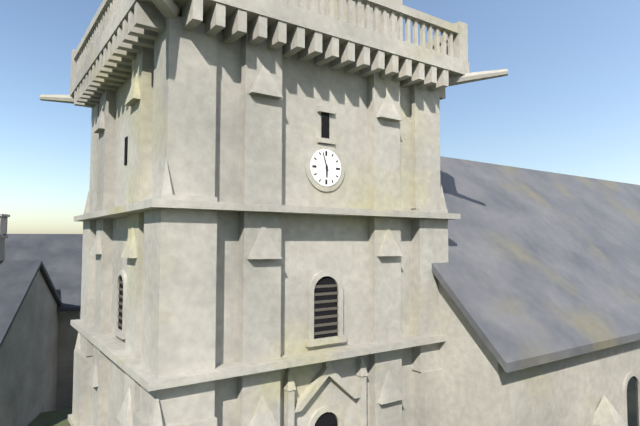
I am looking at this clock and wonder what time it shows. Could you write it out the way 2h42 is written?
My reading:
5h57
